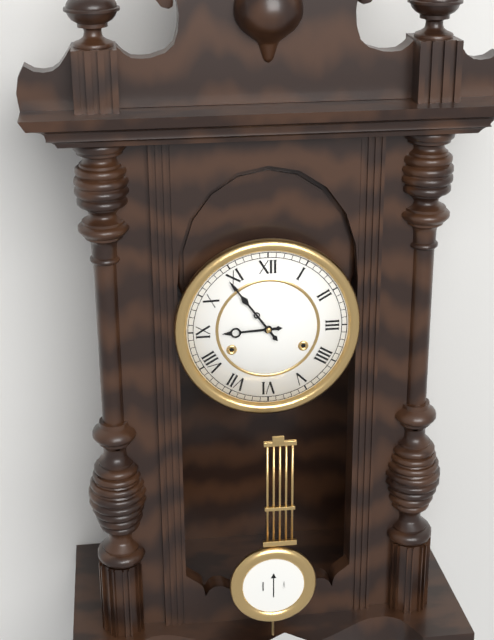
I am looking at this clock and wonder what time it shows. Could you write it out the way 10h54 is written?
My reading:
8h54
